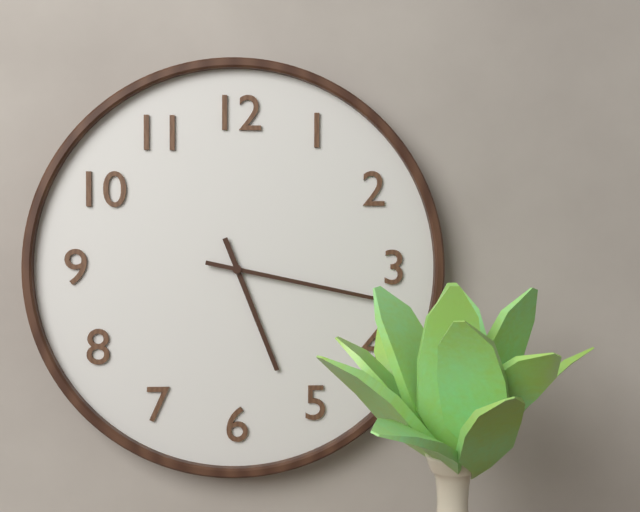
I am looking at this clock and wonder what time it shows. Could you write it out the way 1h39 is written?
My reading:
5h17
